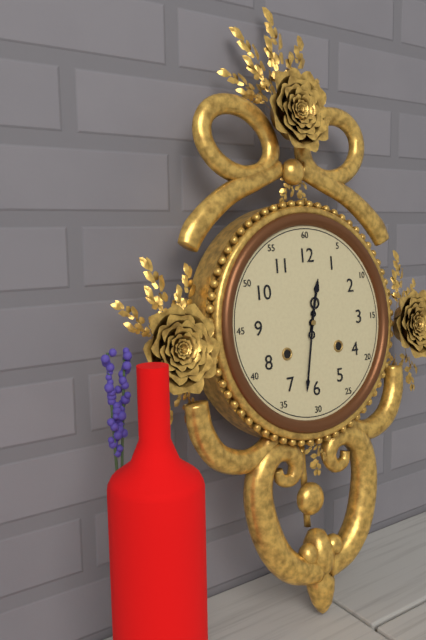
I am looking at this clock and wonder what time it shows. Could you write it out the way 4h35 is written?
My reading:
12h32
